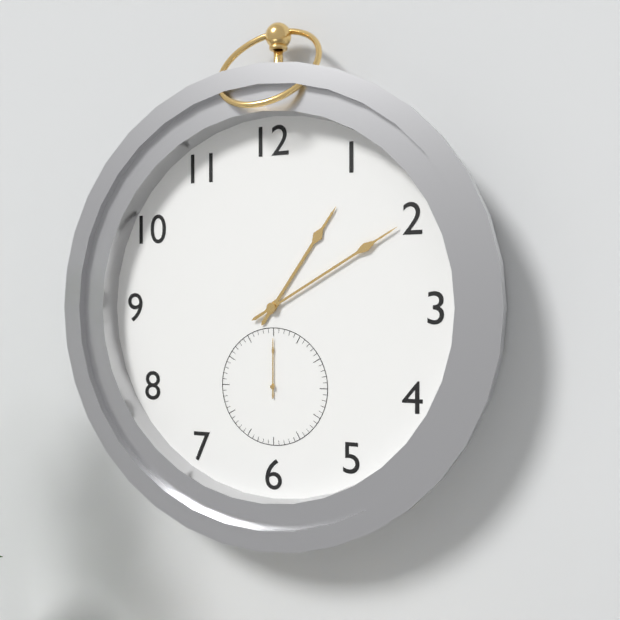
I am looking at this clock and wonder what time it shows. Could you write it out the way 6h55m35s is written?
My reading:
1h10m00s
